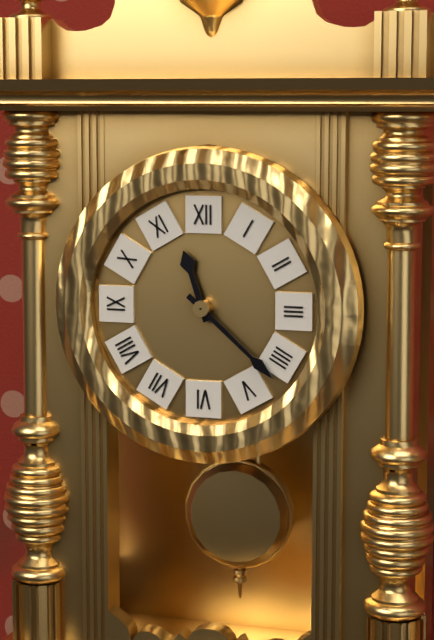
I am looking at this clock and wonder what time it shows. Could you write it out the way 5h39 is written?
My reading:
11h22
